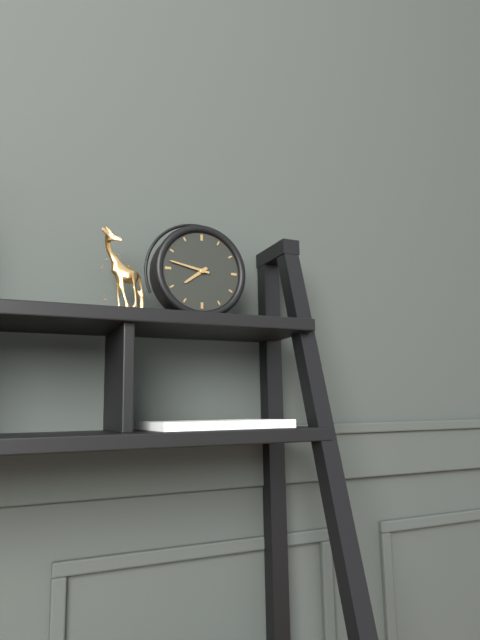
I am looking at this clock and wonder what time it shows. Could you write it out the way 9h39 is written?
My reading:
7h47
